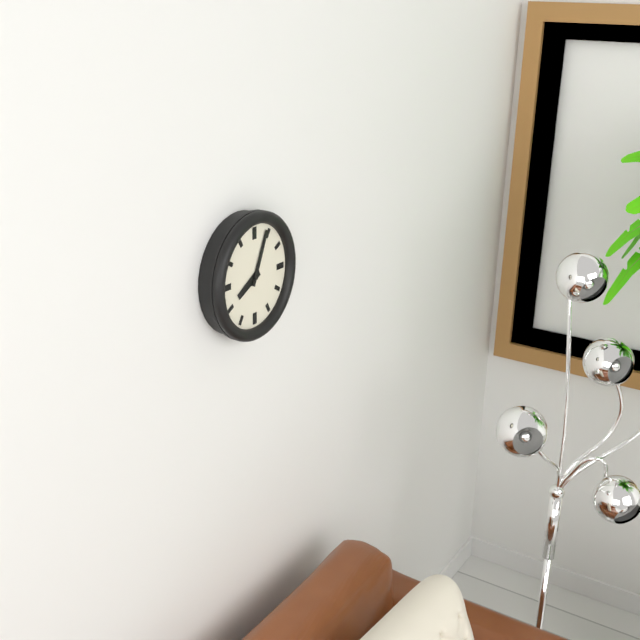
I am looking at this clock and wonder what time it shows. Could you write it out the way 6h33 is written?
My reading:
8h04
